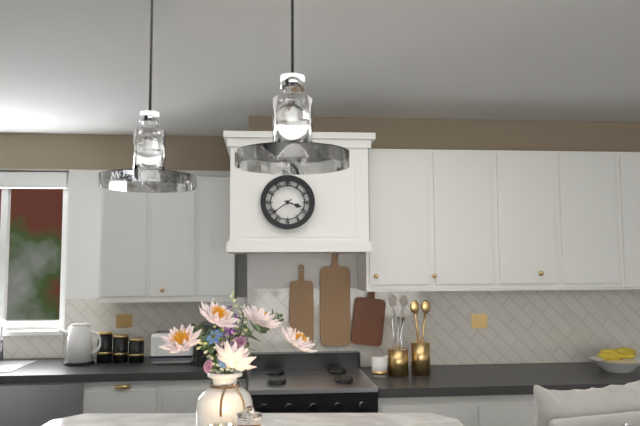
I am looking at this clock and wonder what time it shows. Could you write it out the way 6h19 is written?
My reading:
3h39
